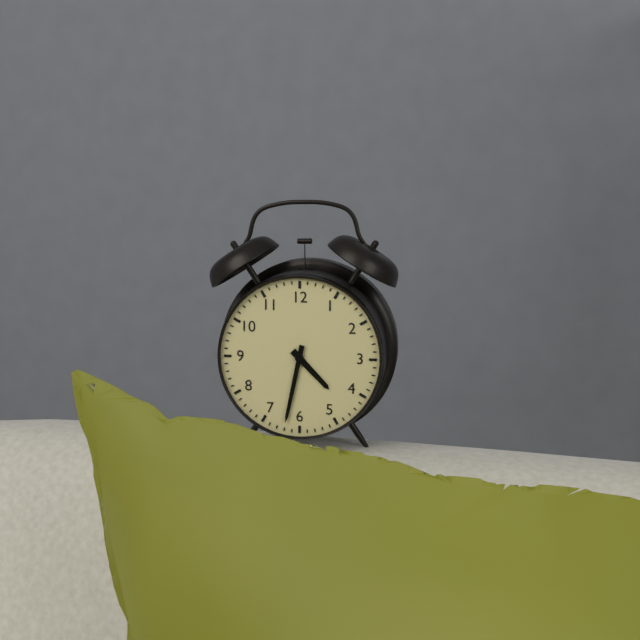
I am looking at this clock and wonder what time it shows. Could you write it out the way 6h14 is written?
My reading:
4h32
